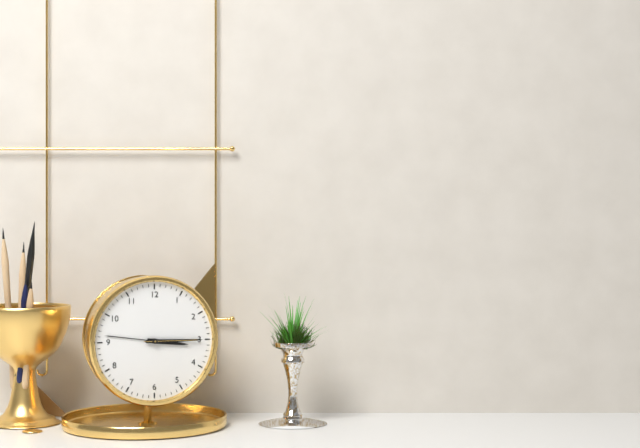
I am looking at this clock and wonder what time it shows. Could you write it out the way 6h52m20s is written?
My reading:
3h15m15s
